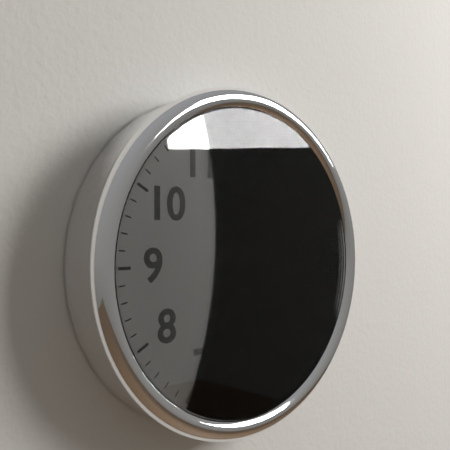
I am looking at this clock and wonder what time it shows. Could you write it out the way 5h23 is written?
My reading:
2h34
